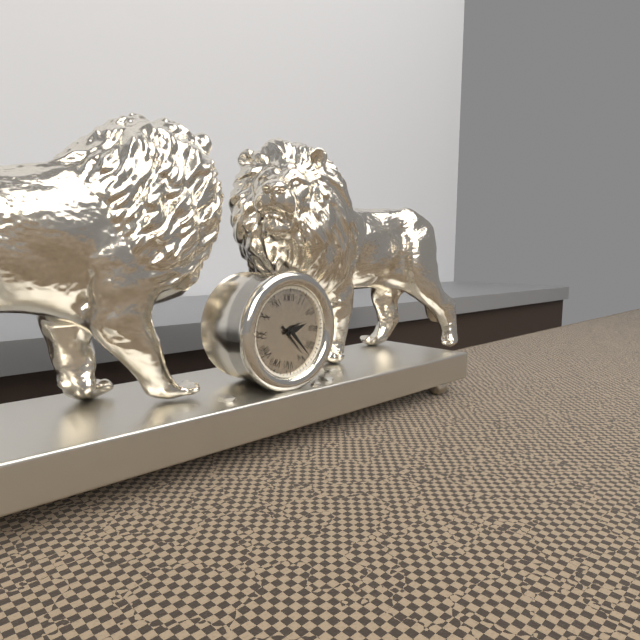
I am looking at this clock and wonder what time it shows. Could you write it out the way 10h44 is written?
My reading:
2h23
